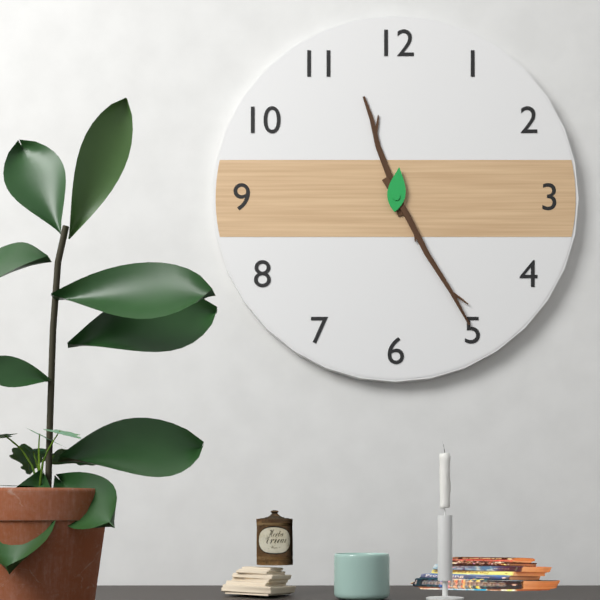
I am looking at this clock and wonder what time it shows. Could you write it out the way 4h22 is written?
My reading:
11h25
